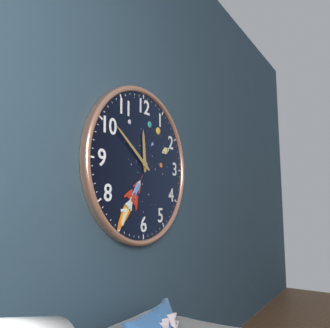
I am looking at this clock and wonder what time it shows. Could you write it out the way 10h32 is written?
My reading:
11h51
